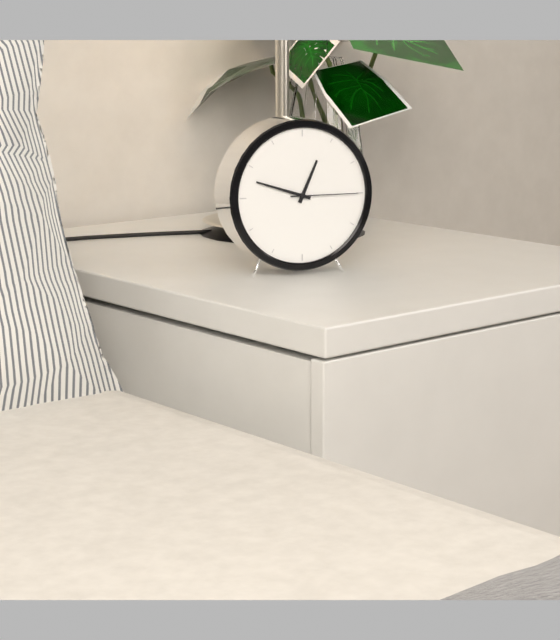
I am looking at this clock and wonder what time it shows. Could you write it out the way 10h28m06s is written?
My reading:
12h48m15s
